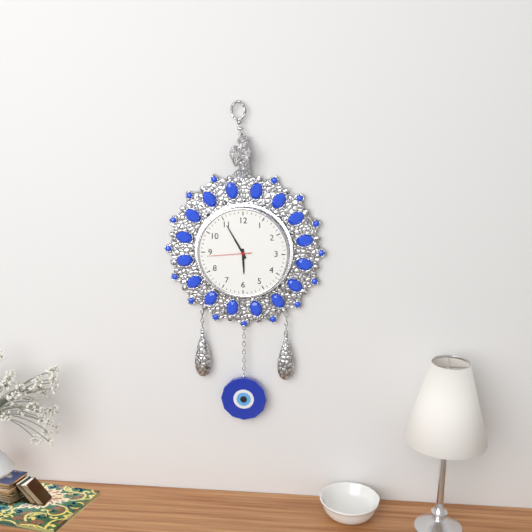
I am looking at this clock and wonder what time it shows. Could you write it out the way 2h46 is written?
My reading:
5h55
